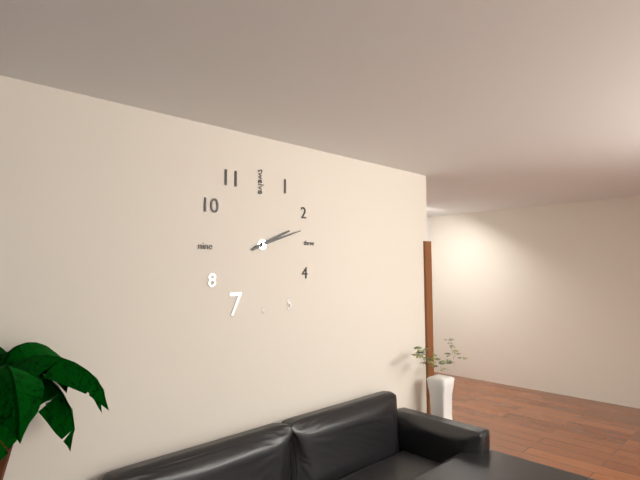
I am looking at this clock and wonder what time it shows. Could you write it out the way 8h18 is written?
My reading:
2h12
